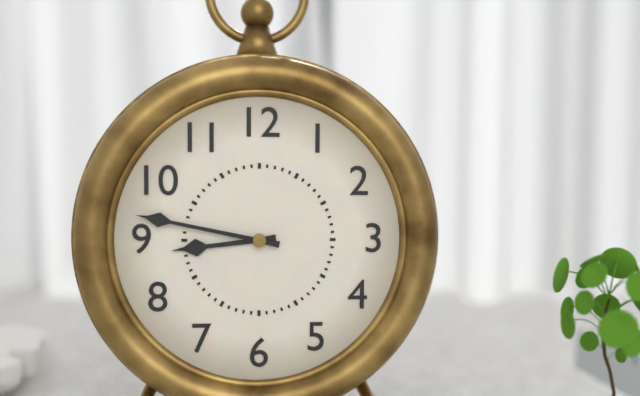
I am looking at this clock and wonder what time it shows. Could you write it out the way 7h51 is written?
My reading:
8h47
